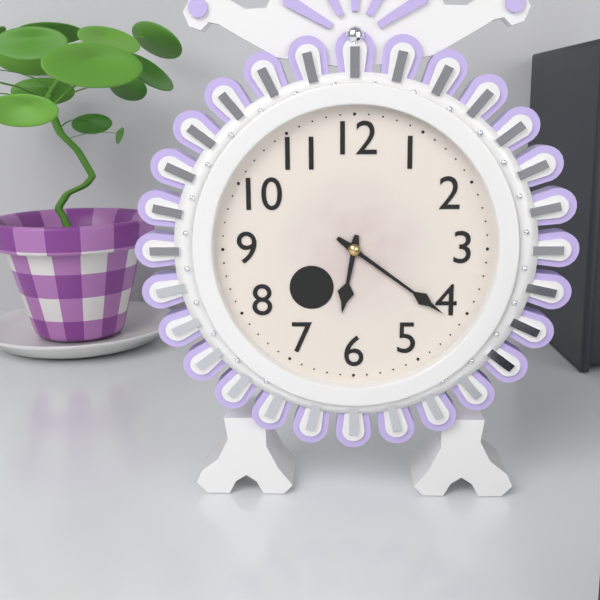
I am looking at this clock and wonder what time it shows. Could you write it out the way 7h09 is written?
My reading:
6h21
